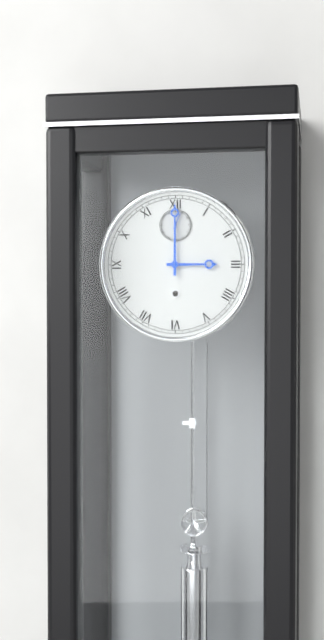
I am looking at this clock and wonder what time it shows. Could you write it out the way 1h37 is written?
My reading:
3h00
